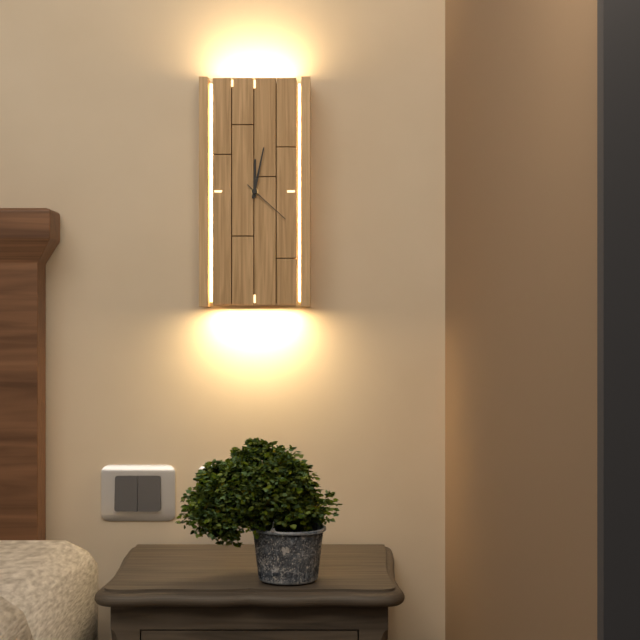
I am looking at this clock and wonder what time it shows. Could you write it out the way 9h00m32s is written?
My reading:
12h02m22s
